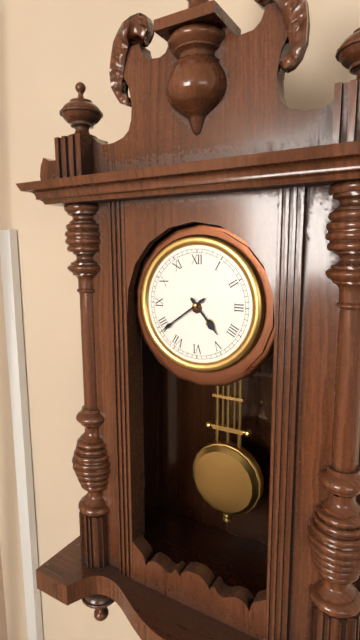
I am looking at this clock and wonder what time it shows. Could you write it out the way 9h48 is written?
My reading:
4h39
